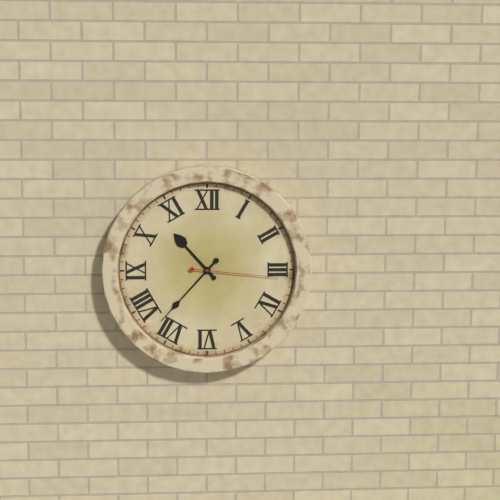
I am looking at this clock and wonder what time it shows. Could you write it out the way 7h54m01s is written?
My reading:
10h37m16s
